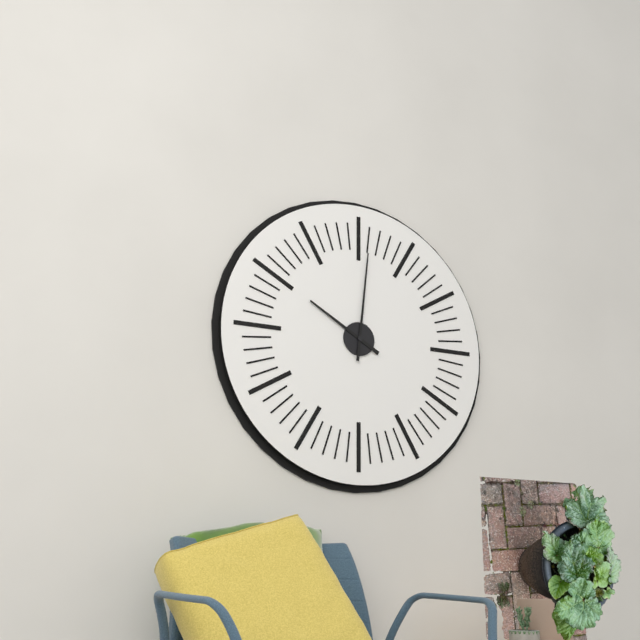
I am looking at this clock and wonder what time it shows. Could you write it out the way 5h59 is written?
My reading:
10h01
